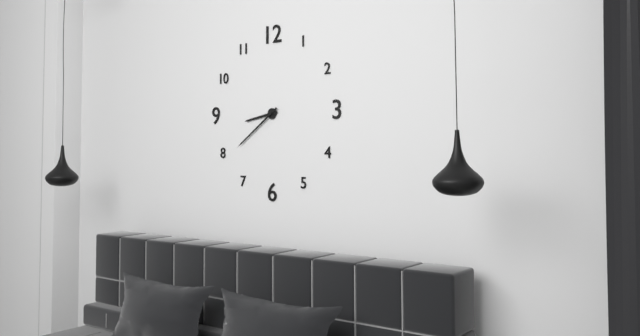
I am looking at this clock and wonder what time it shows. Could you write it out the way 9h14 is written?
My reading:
8h39
